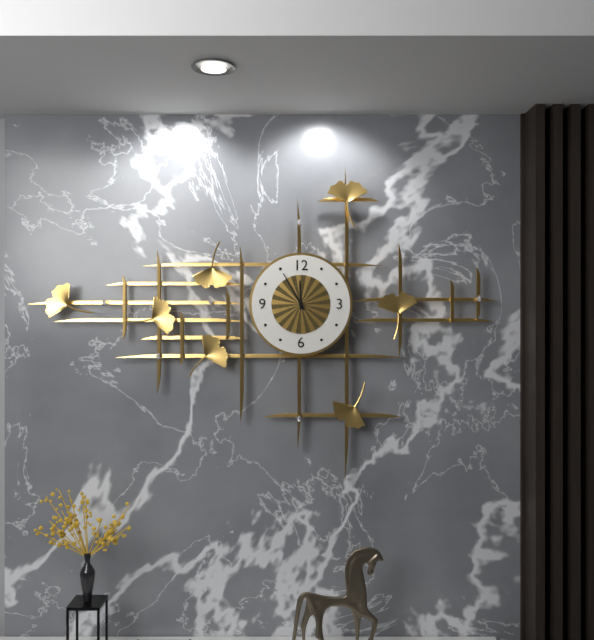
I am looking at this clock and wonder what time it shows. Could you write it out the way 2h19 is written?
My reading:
11h55
